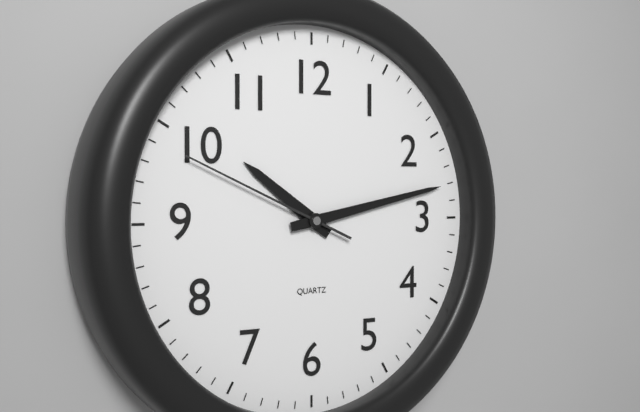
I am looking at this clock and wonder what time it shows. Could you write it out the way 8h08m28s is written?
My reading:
10h13m49s
